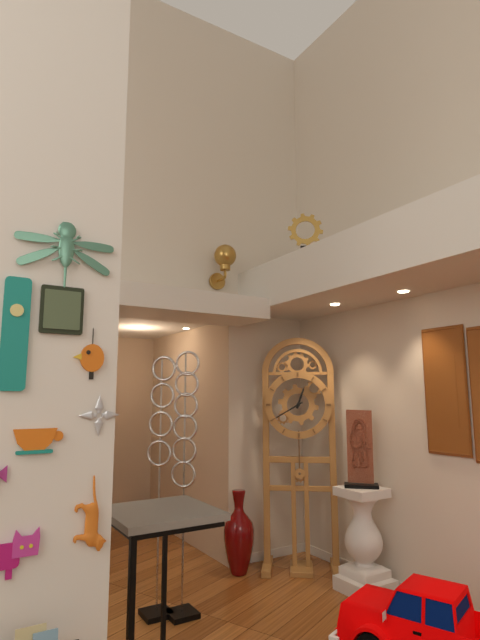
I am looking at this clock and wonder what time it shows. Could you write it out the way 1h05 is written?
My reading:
12h40
